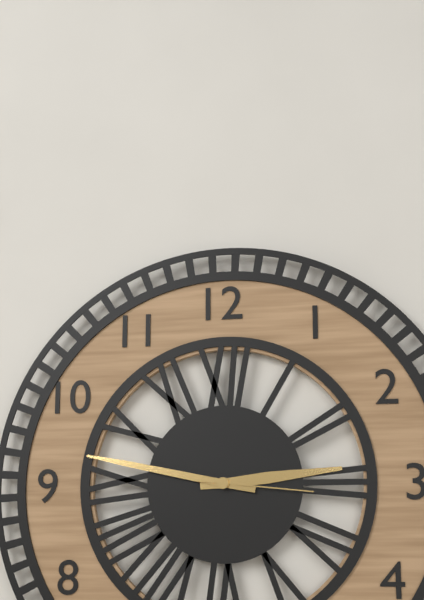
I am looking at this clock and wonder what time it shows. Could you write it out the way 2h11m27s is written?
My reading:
2h47m16s
